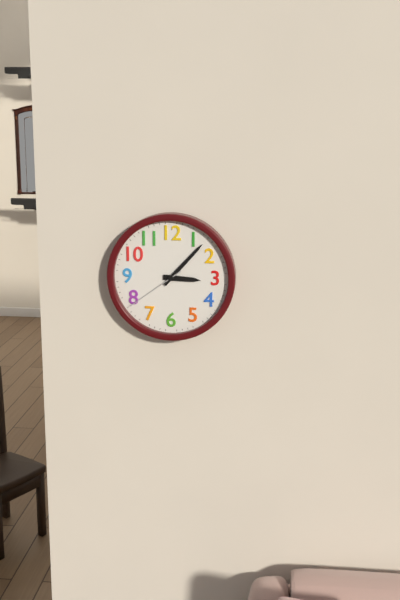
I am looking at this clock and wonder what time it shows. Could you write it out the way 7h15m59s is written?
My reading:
3h07m39s
